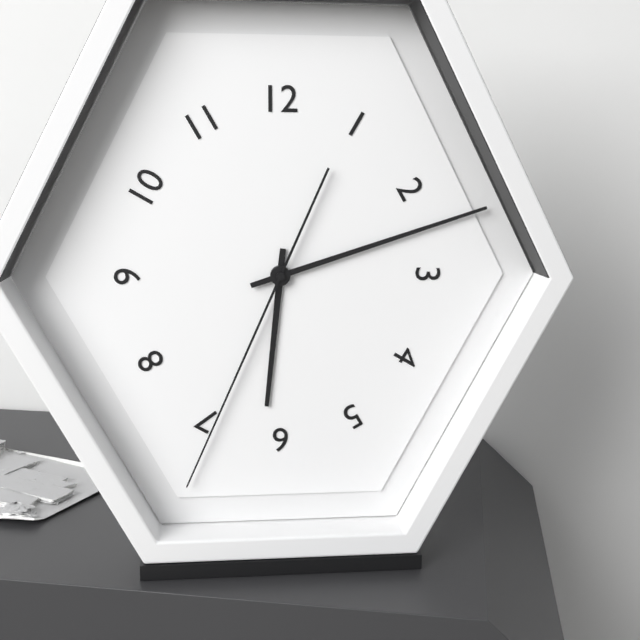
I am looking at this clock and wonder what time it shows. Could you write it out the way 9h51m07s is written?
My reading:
6h12m34s
